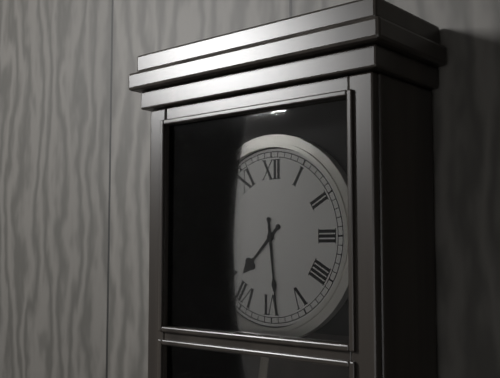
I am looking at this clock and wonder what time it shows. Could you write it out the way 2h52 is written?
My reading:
7h29
